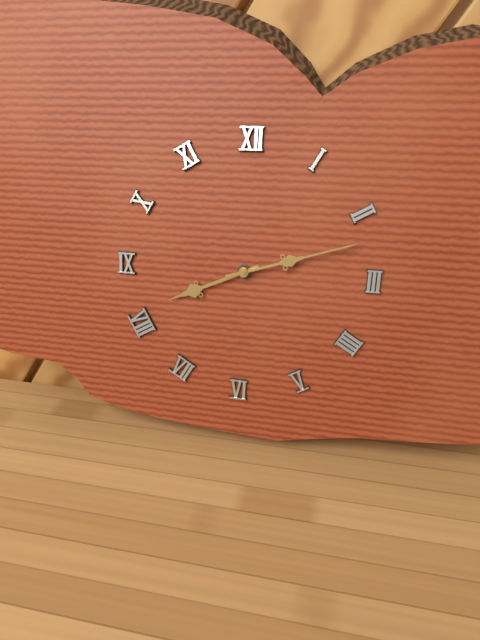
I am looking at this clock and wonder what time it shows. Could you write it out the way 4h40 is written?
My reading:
8h12
